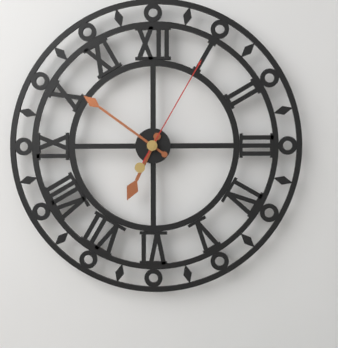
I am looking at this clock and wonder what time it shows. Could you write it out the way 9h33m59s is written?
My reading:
6h51m05s
